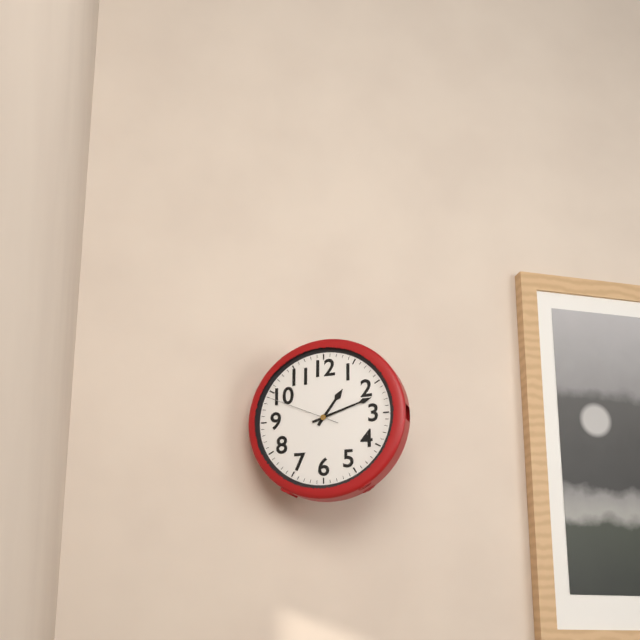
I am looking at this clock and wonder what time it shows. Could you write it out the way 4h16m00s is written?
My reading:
1h12m49s
